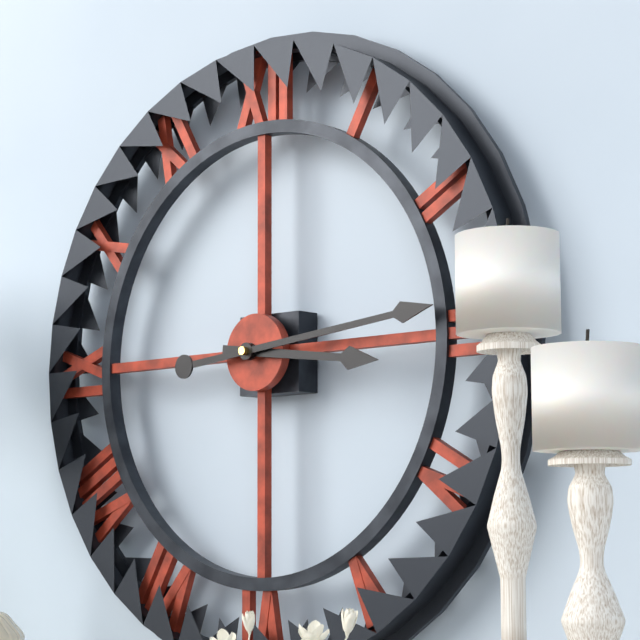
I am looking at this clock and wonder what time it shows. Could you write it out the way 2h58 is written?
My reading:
3h14
